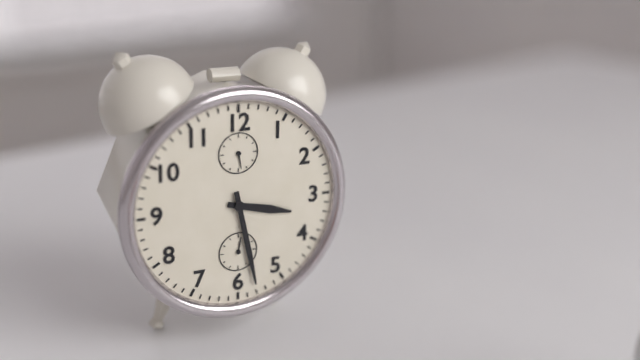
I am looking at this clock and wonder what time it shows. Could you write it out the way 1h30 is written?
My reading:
3h28
